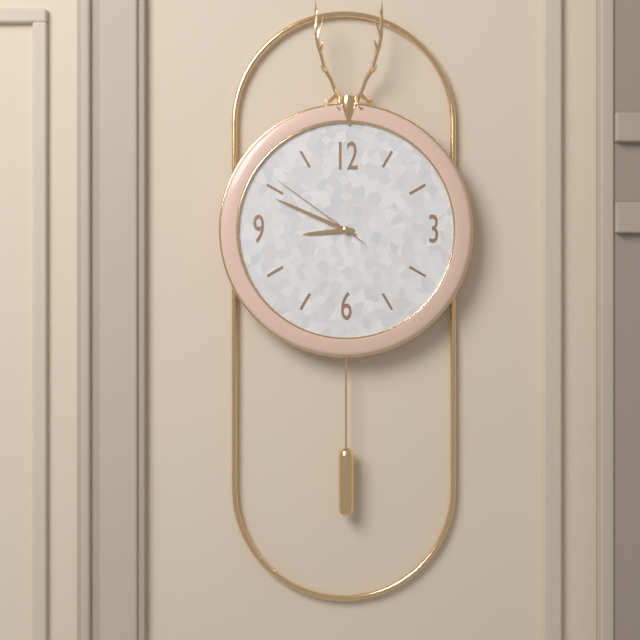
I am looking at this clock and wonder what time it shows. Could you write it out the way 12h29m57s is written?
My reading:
8h49m51s
